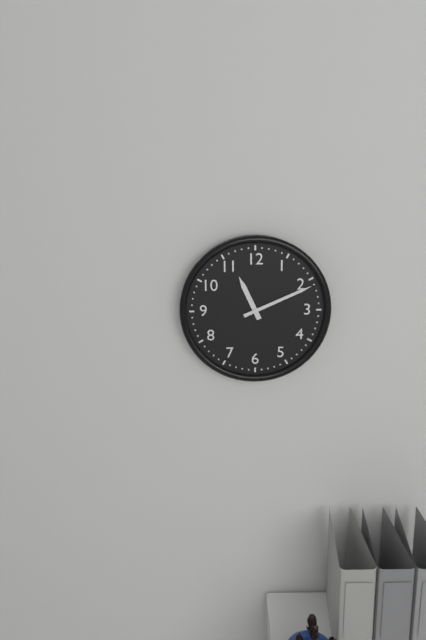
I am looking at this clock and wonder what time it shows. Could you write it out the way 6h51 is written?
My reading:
11h11
